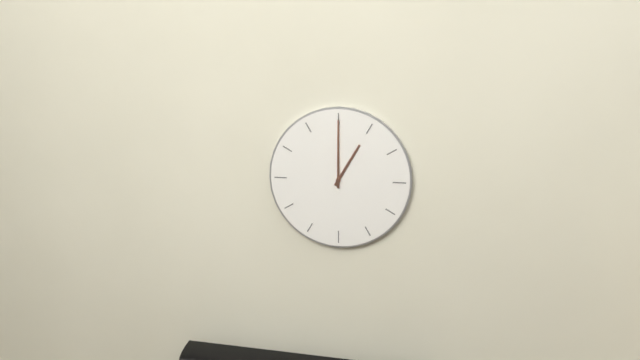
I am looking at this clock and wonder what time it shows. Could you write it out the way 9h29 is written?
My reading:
1h00
